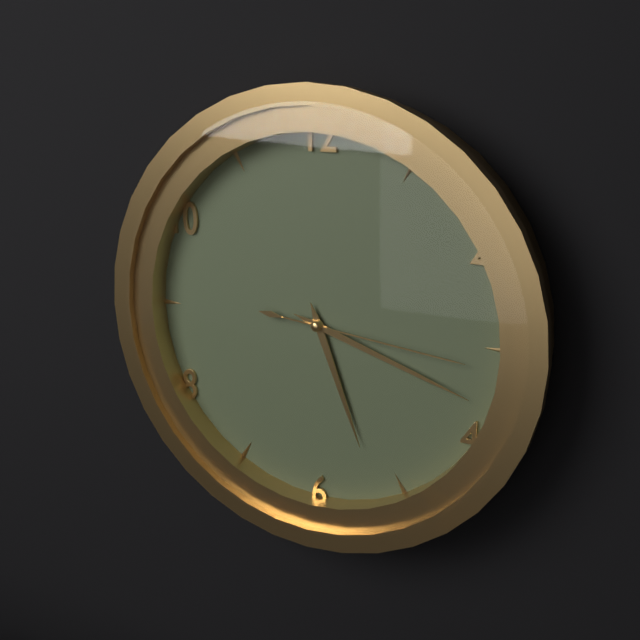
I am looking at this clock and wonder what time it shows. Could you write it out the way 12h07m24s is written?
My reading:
5h18m16s
